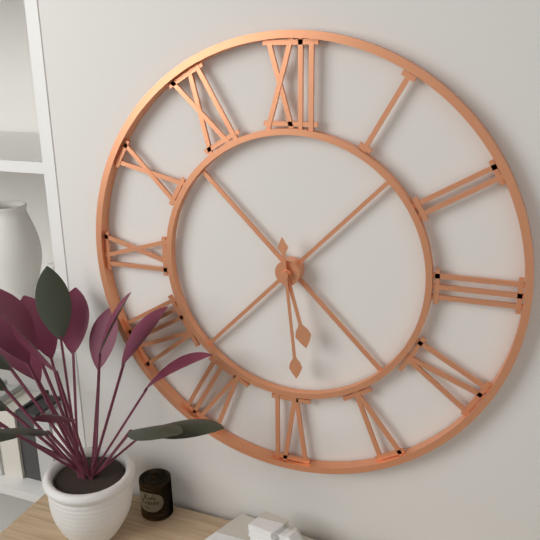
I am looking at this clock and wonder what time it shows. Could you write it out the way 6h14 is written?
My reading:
5h29
